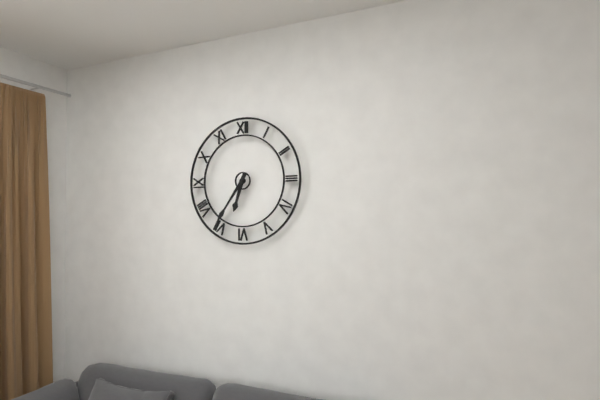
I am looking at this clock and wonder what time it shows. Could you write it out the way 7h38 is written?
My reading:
6h36
